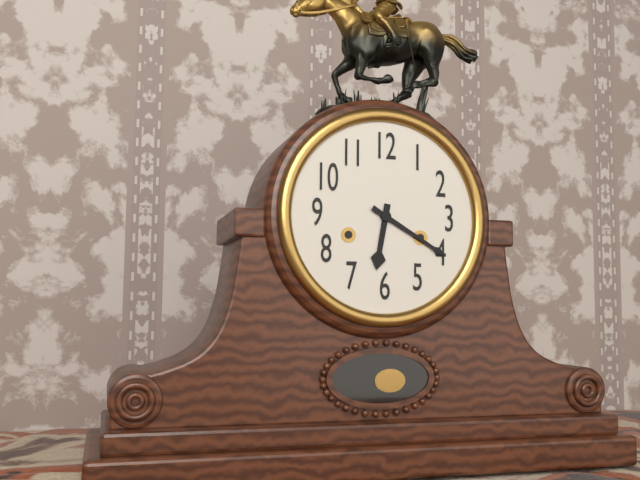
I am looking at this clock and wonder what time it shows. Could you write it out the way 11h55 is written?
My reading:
6h20
